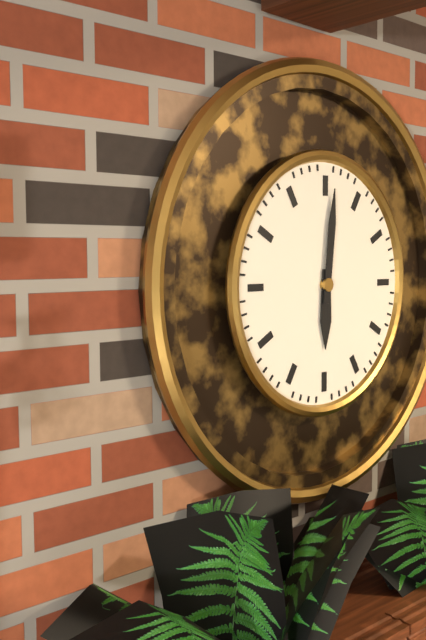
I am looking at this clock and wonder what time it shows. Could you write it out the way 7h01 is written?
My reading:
6h01
